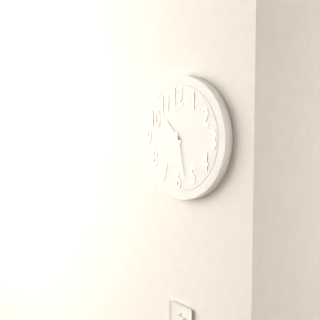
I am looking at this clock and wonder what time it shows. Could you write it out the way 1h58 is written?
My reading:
10h28
